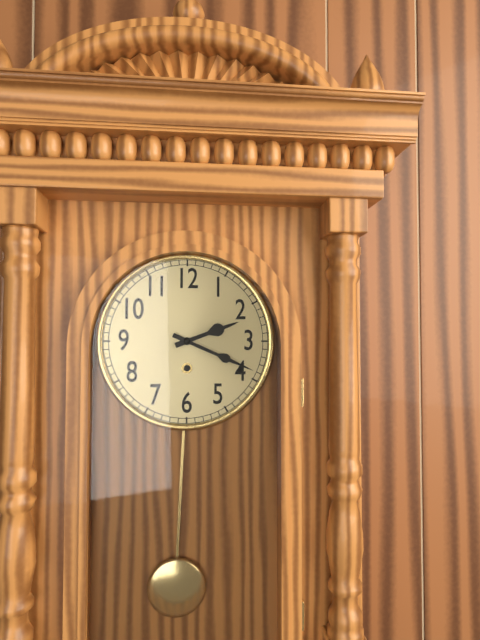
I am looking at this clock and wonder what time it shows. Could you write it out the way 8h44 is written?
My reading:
2h19
